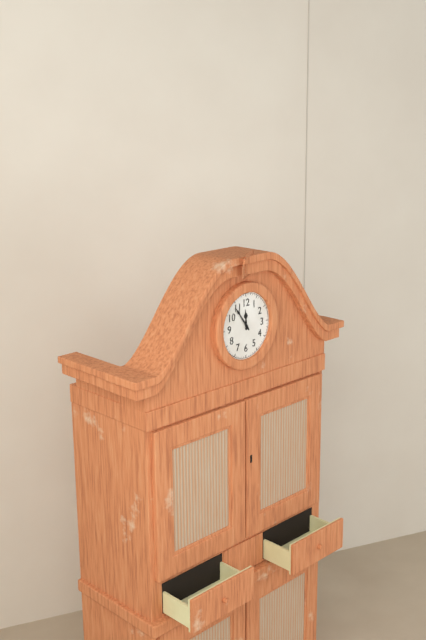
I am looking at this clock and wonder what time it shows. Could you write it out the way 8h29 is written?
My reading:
11h54
